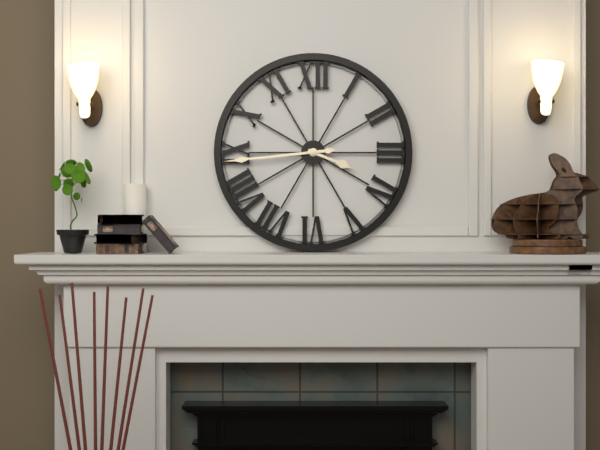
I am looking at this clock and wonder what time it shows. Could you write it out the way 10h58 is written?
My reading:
3h44
